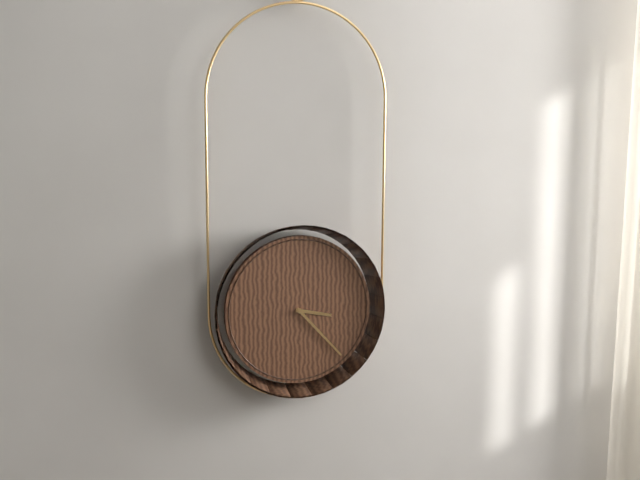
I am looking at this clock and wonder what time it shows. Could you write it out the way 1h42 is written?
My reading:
3h23
